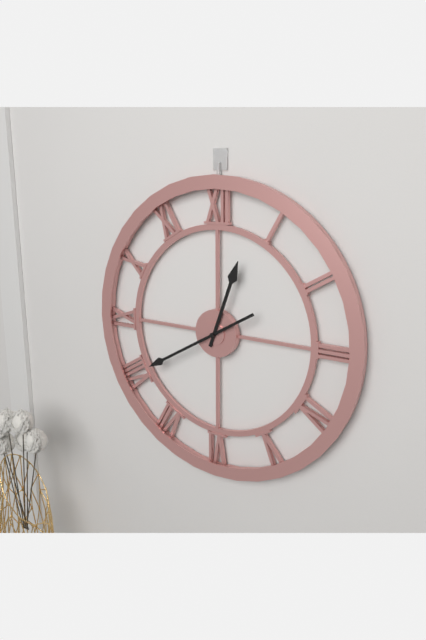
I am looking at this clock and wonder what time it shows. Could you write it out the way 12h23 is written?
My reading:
12h40
